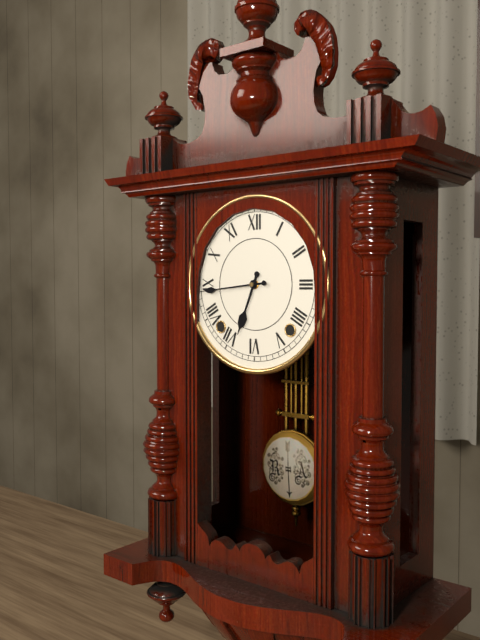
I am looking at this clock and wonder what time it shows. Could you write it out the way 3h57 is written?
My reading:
6h44
